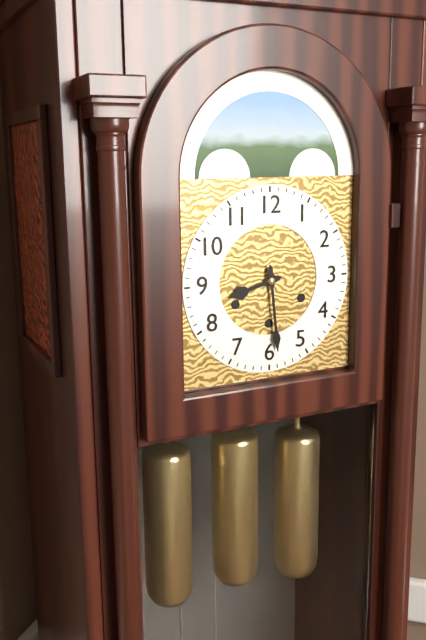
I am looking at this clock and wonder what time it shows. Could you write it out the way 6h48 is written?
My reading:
8h29
